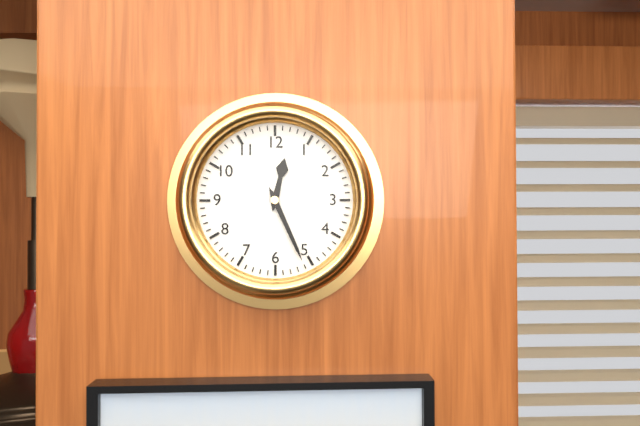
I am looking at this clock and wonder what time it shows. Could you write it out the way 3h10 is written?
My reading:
12h26
